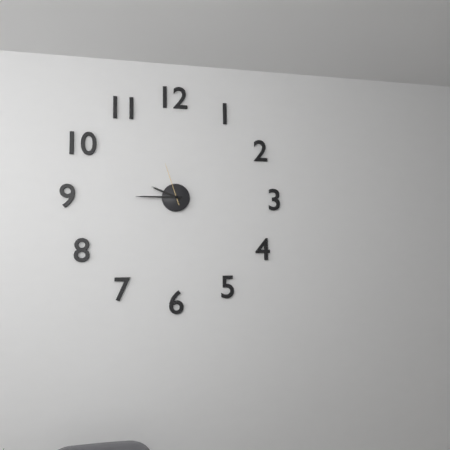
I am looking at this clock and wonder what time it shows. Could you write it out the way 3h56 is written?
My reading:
9h45
